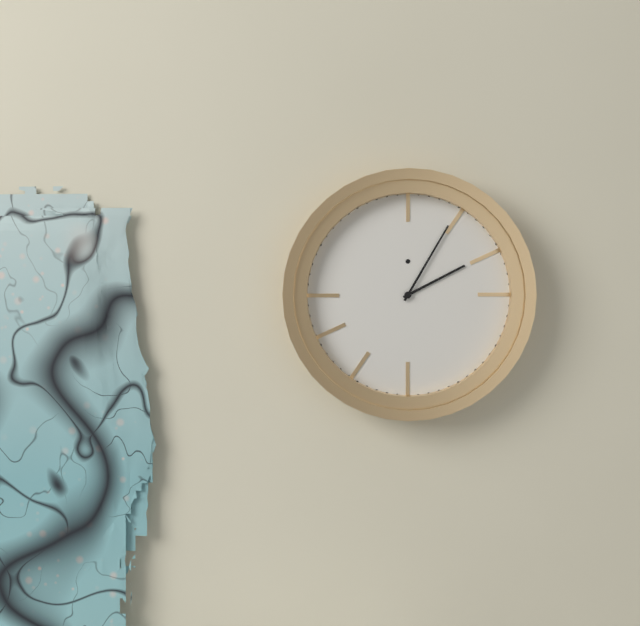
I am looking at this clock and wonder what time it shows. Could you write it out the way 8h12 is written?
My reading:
2h05
